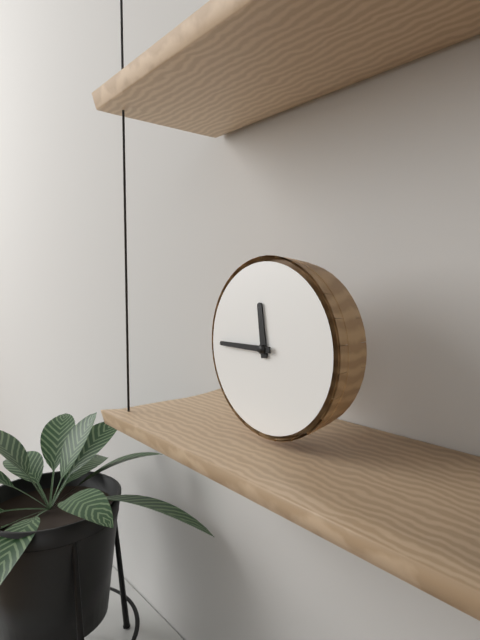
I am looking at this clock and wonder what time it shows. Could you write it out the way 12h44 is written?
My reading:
11h45
